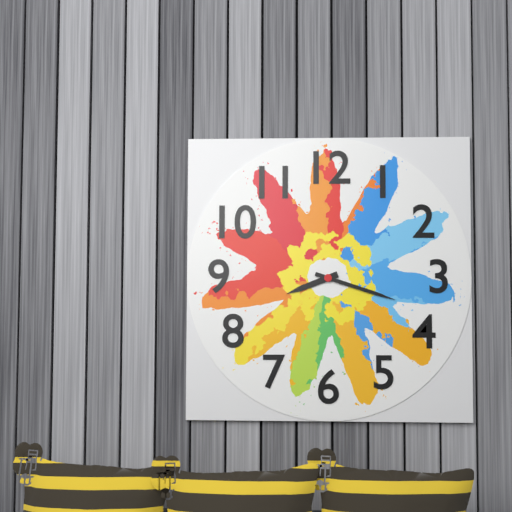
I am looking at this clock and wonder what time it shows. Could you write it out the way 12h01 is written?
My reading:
8h18
